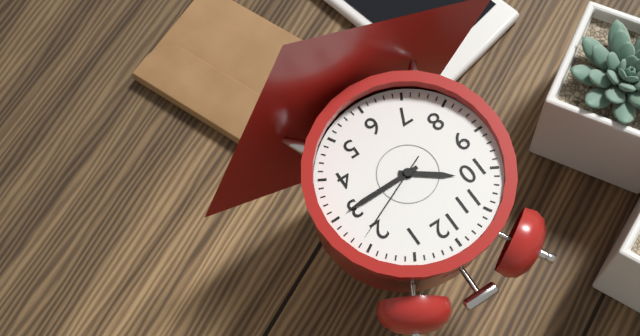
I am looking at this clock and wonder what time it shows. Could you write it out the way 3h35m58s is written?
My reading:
10h15m11s
